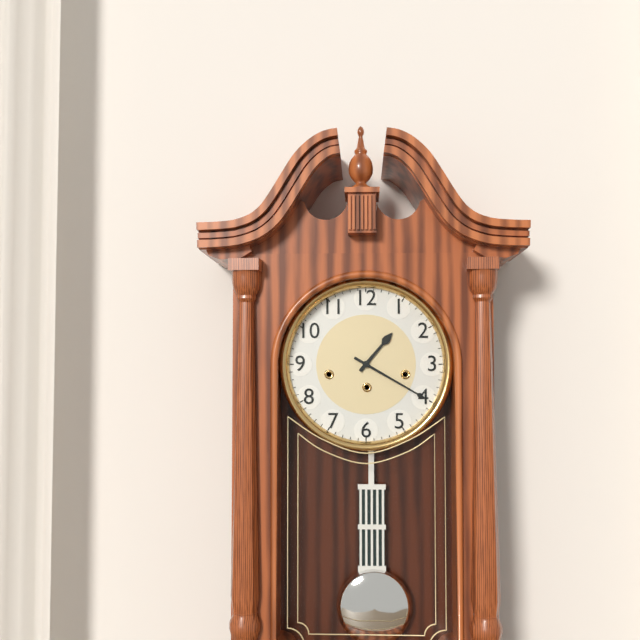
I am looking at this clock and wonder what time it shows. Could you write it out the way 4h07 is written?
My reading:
1h20
